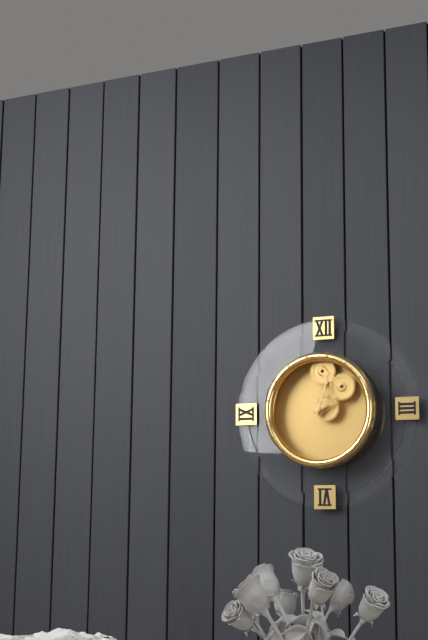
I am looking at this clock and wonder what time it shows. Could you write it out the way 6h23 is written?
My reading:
2h03
